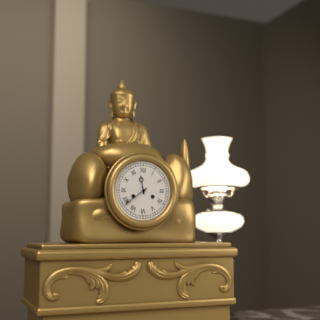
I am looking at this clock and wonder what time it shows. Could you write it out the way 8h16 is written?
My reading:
11h39
